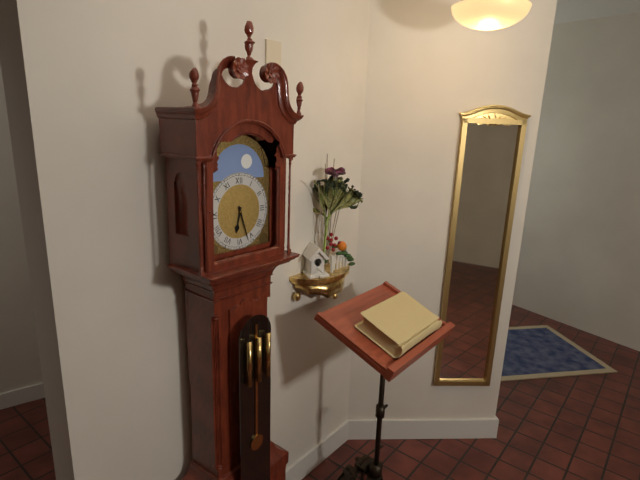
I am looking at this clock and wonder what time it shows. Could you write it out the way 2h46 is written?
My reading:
6h27
